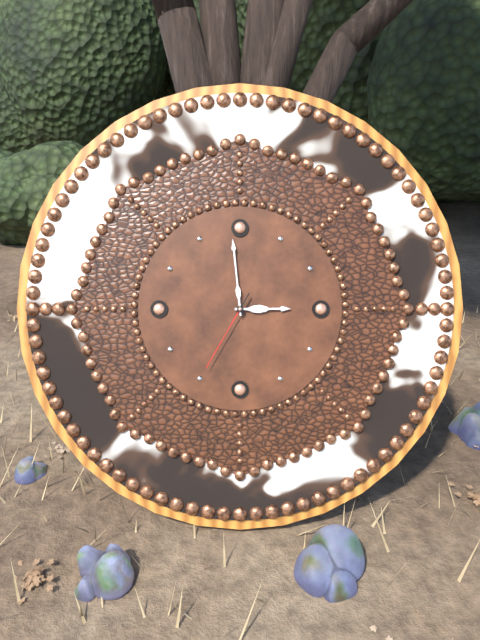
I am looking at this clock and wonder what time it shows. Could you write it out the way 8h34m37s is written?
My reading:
2h59m35s
